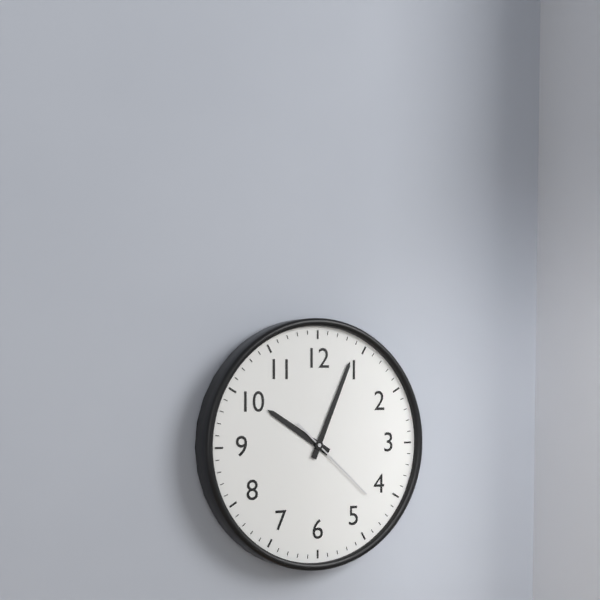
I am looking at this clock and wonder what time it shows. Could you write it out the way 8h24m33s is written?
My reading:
10h04m22s
